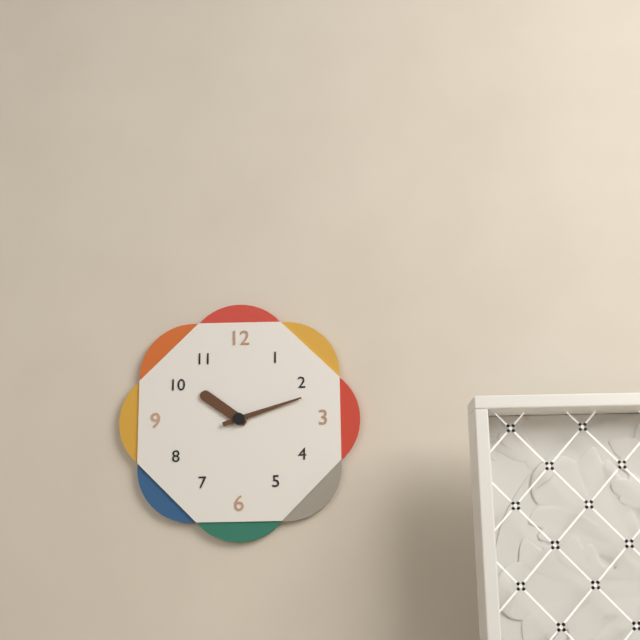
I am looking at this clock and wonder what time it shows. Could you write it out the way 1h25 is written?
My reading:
10h12
